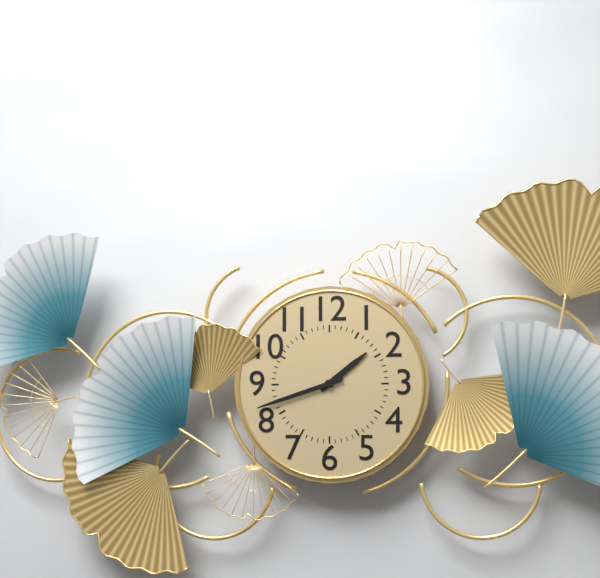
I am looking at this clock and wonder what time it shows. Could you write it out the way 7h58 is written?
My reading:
1h42
